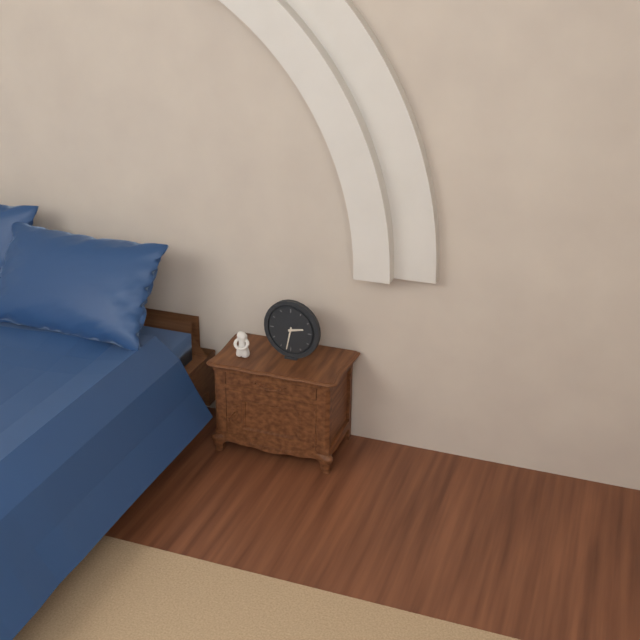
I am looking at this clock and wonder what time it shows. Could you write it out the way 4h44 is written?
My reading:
2h32
